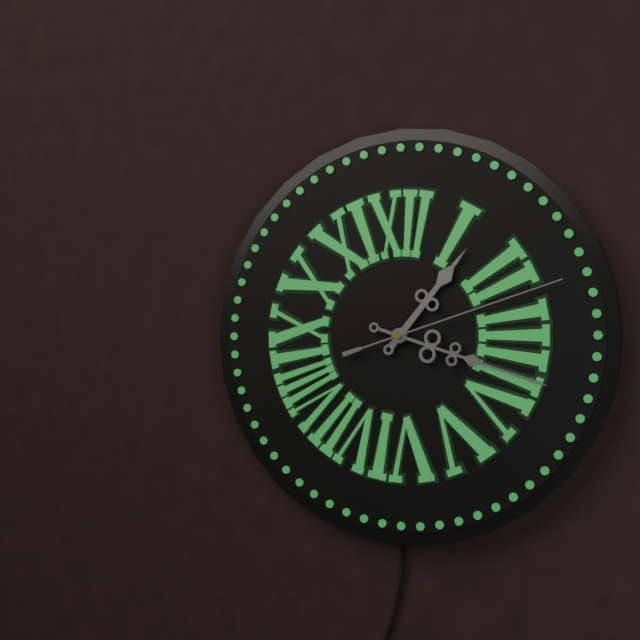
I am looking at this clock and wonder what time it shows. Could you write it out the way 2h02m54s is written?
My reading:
1h18m12s
